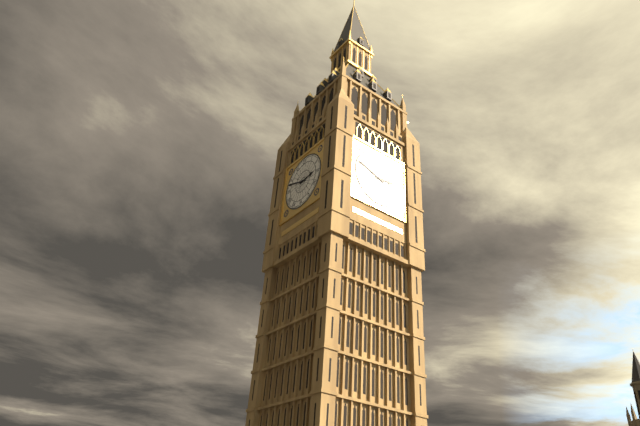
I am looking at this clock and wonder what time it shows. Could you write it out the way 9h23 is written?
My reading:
2h48
